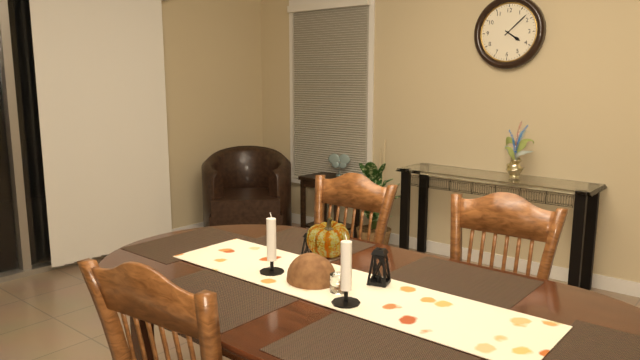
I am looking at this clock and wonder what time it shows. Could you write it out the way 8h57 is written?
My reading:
4h08
